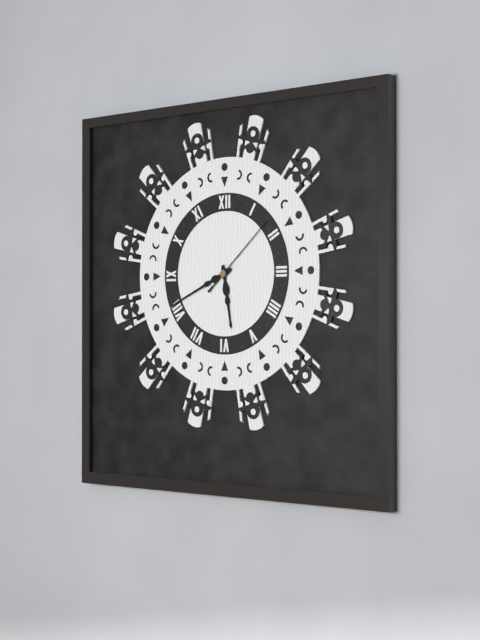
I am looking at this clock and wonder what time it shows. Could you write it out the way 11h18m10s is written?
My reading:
5h41m08s
